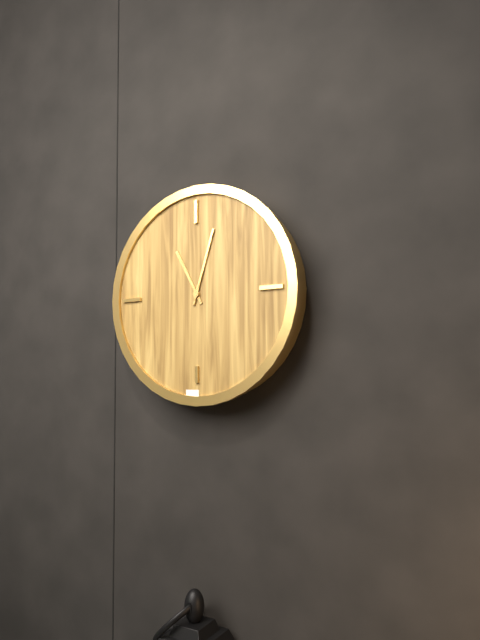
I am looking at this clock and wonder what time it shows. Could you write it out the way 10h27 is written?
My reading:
11h03
